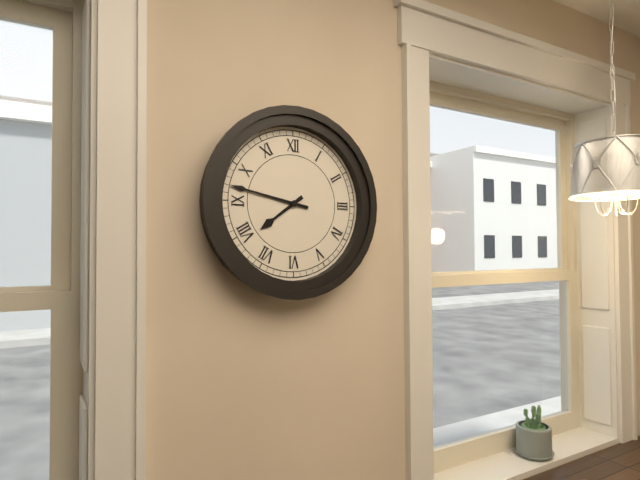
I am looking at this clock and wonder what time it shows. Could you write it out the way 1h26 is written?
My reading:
7h47
